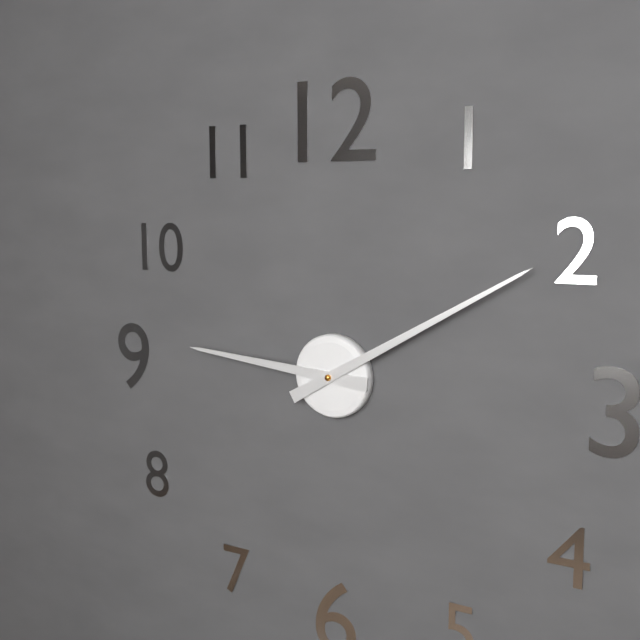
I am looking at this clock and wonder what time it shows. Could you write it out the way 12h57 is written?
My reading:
9h10
